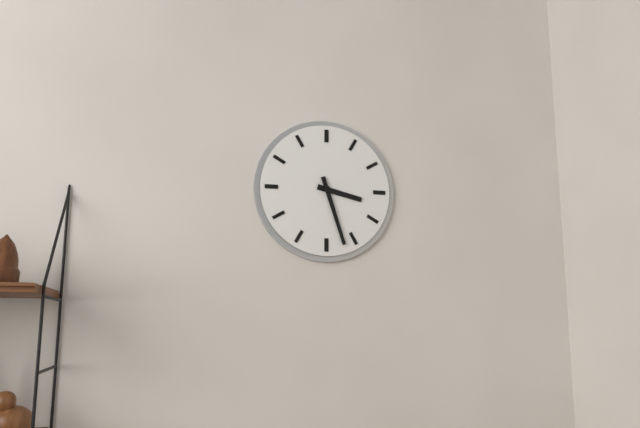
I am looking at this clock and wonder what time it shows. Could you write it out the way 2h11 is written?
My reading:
3h27
